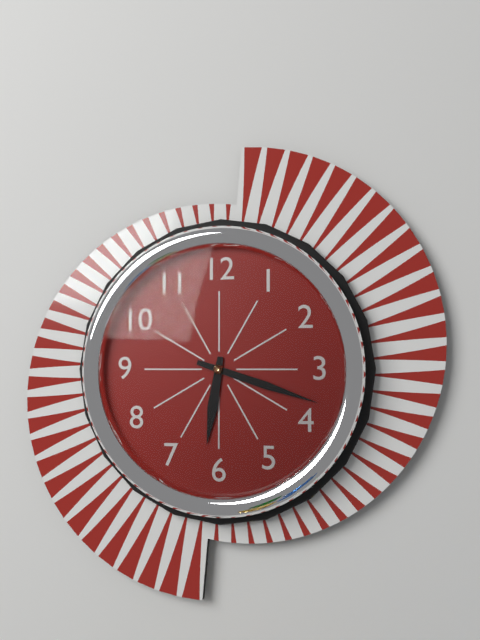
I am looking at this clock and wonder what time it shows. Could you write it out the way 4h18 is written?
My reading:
6h18
